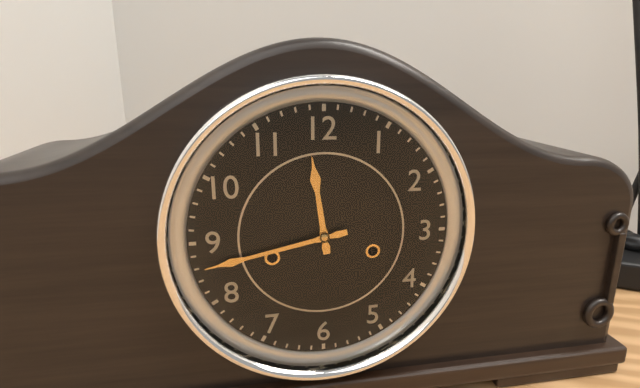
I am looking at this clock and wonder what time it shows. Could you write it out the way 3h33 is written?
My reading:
11h43
